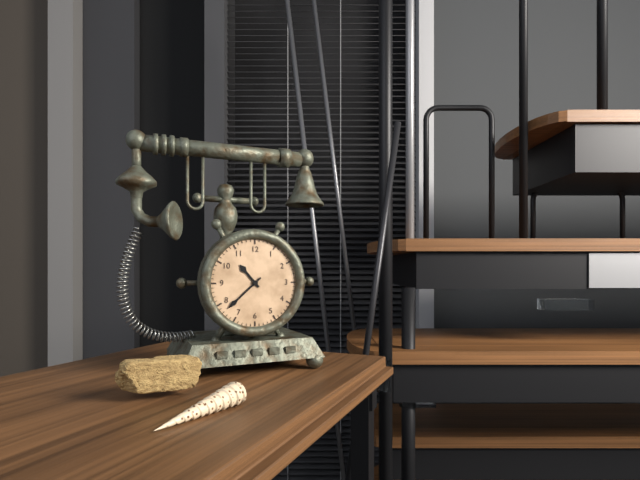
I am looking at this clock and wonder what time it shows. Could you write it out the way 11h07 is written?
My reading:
10h38
